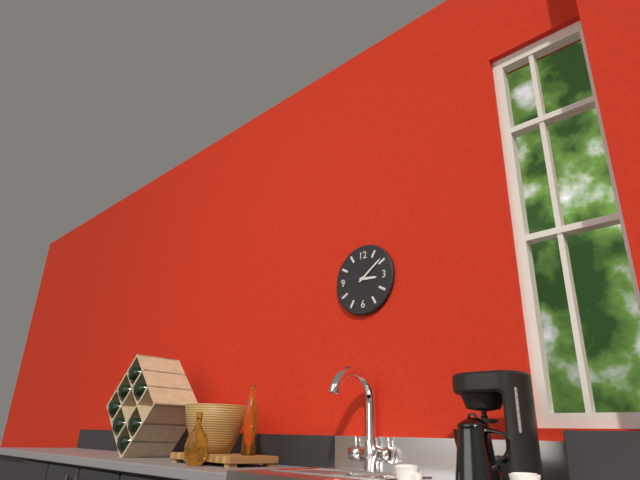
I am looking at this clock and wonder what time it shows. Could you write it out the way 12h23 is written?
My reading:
3h09
